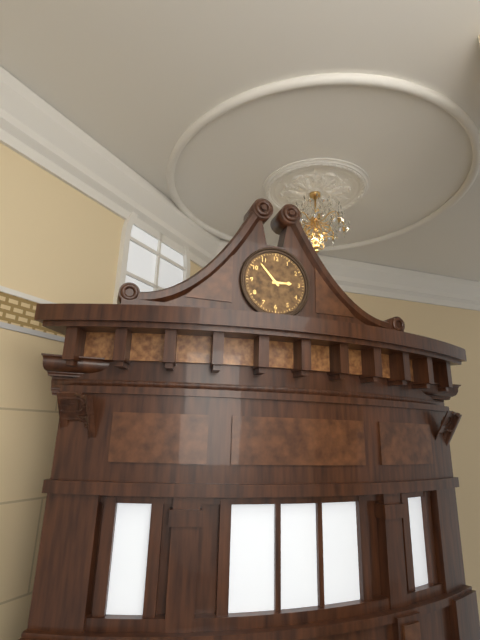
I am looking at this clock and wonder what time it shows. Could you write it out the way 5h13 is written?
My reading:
2h53
